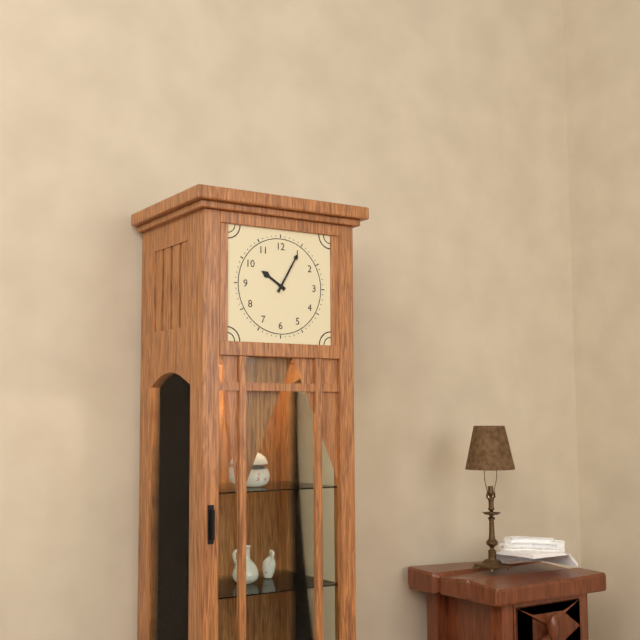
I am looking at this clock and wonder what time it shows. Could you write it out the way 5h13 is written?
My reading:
10h05
